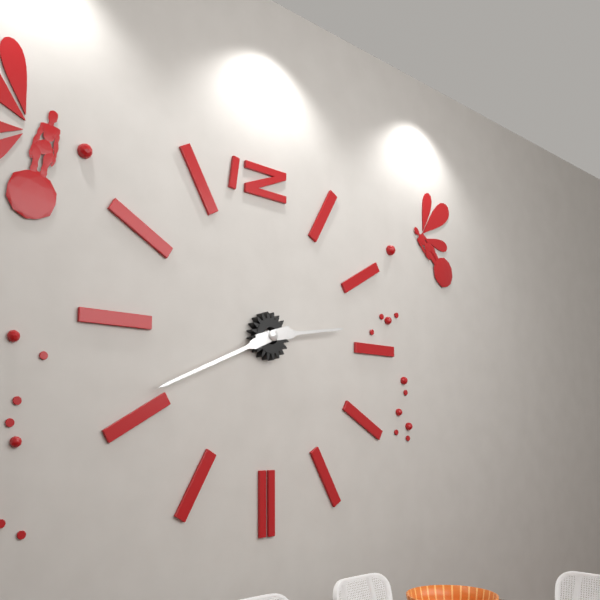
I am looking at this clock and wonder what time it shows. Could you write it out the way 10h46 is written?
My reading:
2h41
